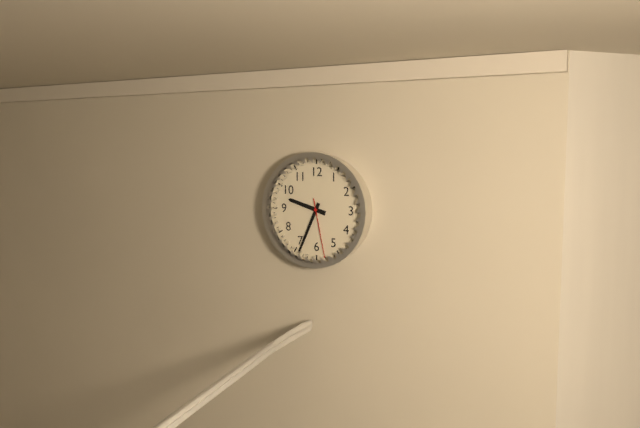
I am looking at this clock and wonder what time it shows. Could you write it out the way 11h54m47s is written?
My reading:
9h34m28s
